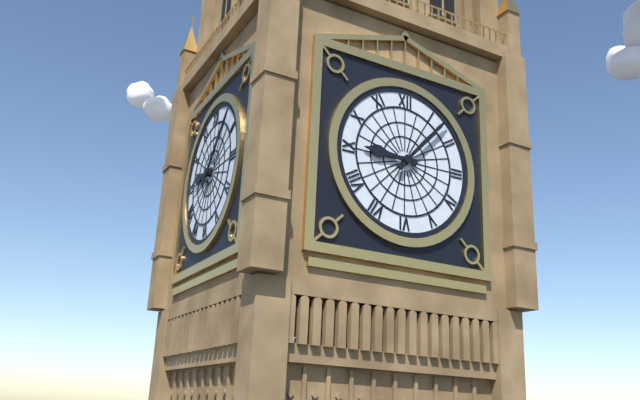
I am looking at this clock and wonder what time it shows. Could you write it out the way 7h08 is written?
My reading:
9h07
